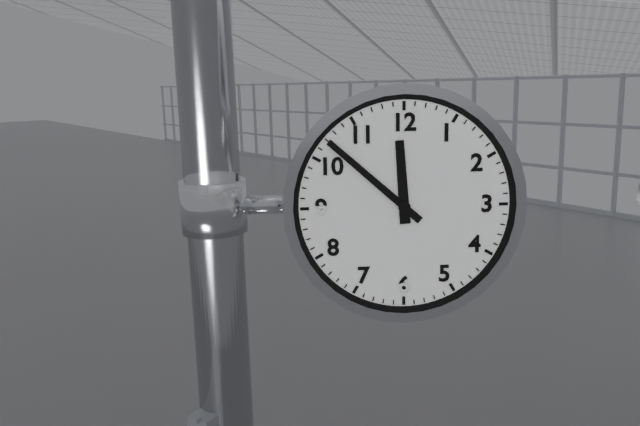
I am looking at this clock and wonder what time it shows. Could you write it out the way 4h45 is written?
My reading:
11h52
